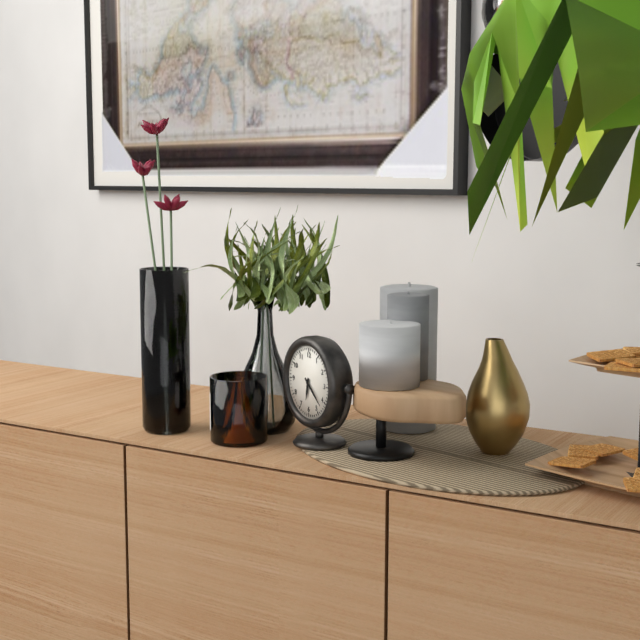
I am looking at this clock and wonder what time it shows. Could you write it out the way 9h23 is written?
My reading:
6h22
